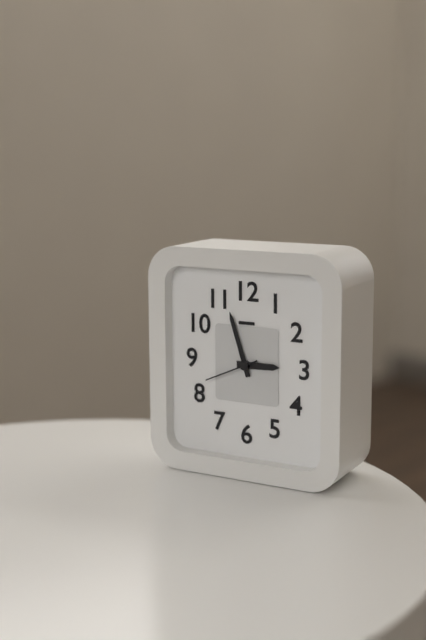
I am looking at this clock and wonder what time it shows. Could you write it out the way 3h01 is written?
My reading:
2h57
